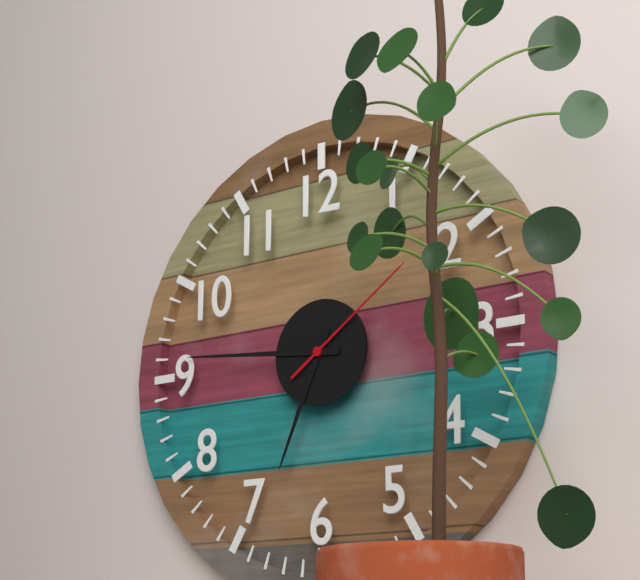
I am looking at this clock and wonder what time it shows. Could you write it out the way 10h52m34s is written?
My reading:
6h46m09s
